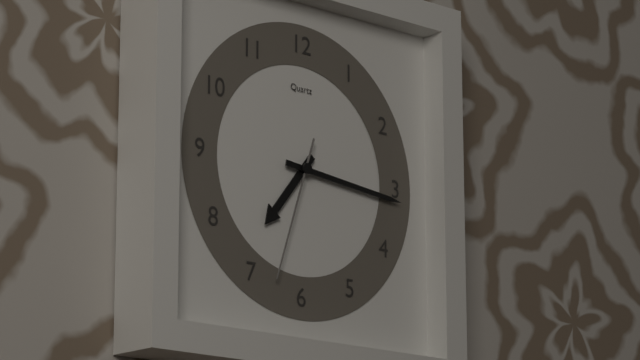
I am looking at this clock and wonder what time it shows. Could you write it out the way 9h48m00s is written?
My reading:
7h16m33s
